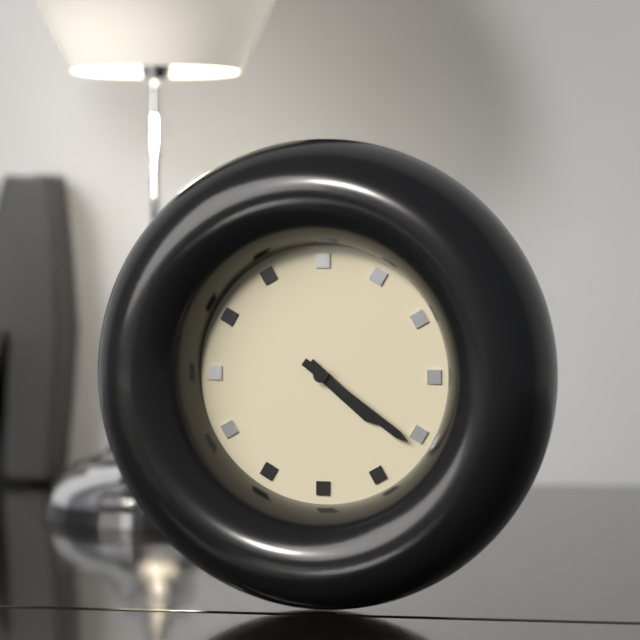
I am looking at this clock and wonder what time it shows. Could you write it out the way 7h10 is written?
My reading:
4h21
